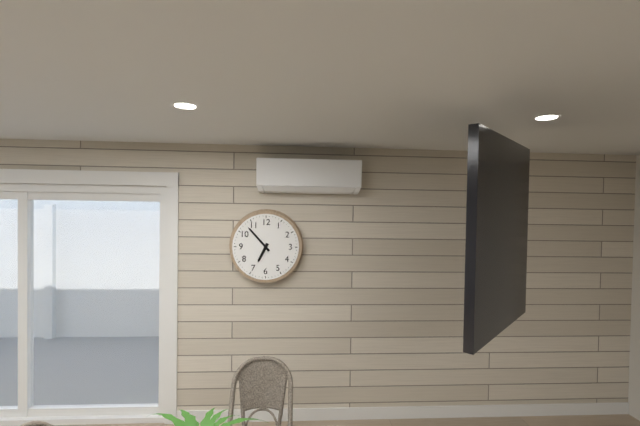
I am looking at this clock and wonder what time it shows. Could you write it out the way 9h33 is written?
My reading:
6h53
